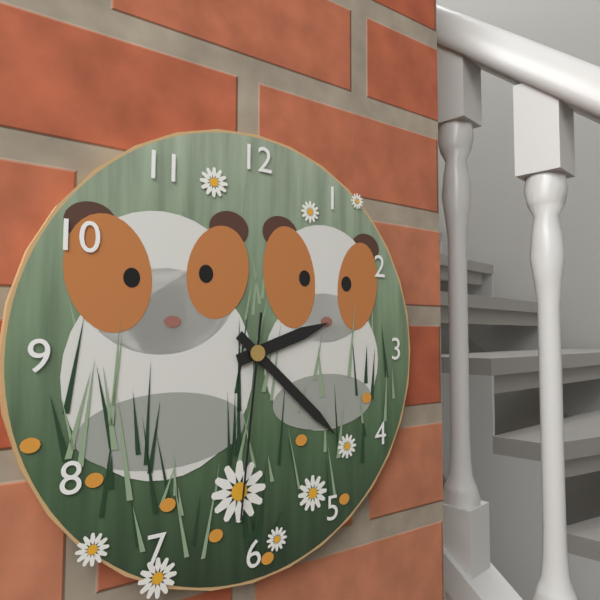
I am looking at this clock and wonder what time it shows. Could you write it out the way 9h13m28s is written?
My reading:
2h22m31s
